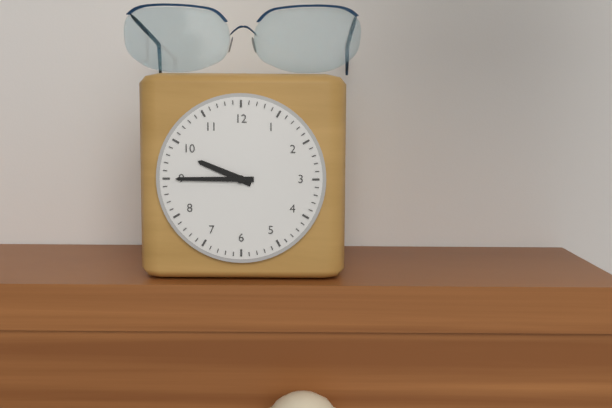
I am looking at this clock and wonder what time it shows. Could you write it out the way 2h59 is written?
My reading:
9h45
